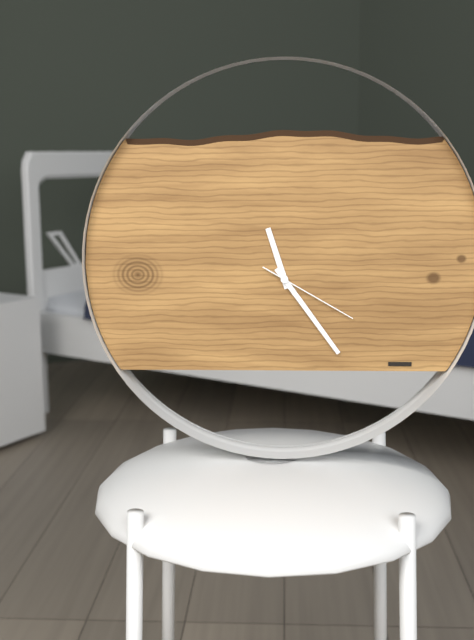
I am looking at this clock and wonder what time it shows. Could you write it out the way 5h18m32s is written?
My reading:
11h24m20s
